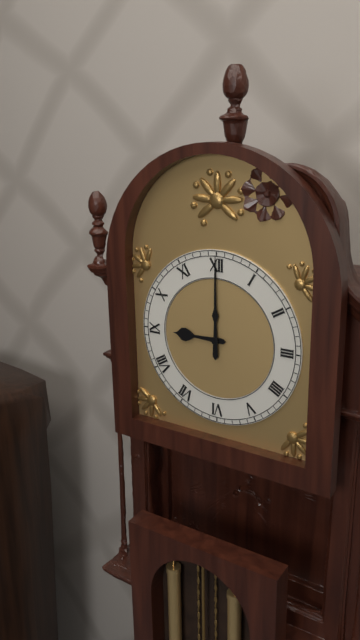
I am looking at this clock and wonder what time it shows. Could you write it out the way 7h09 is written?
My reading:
9h00
